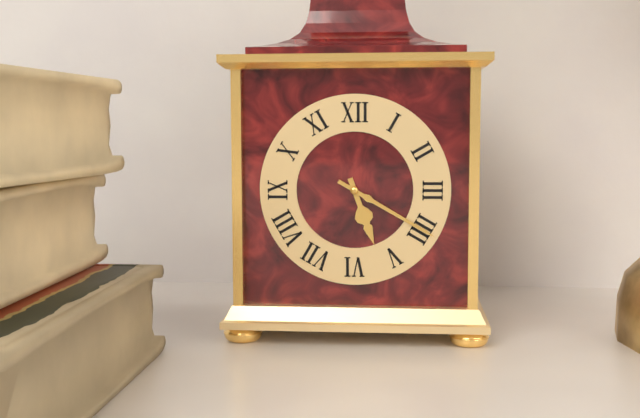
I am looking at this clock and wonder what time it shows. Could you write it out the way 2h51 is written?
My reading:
5h20
